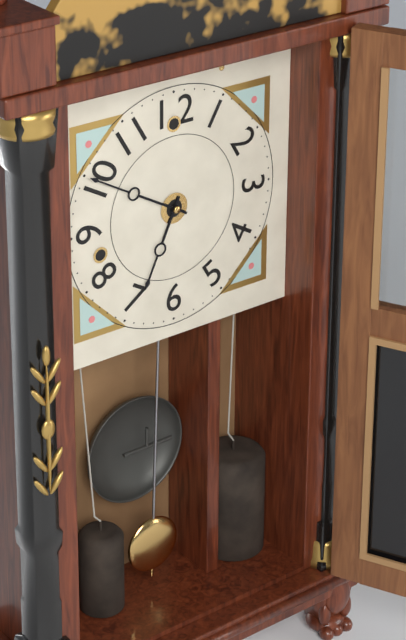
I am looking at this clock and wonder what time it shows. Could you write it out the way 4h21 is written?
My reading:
6h50
